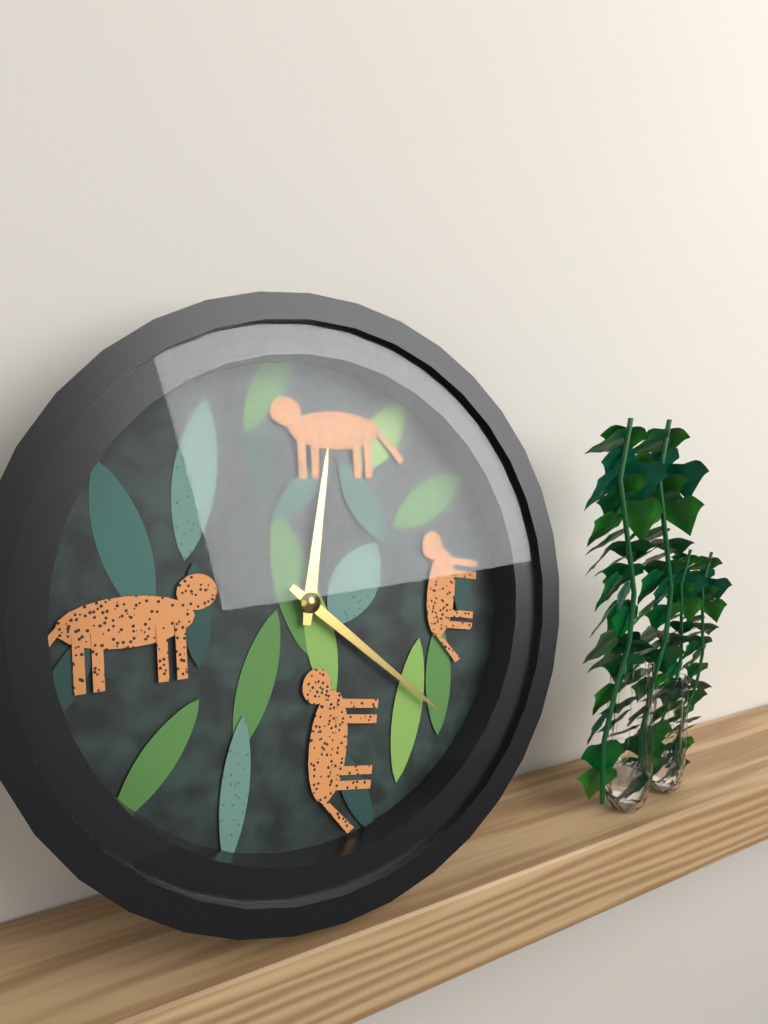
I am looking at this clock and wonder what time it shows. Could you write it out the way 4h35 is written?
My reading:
12h22
